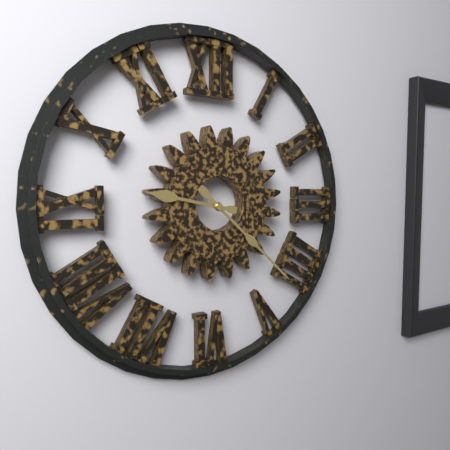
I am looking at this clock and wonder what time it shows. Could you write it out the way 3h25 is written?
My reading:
9h22
